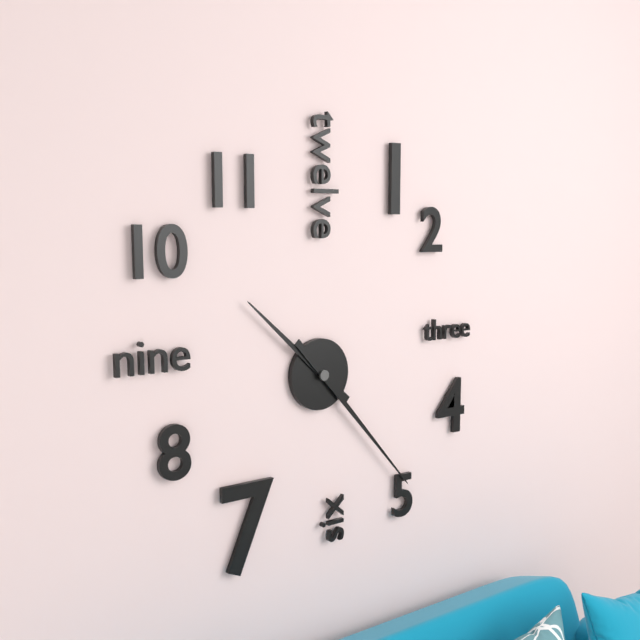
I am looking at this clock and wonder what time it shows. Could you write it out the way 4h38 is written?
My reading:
10h23
